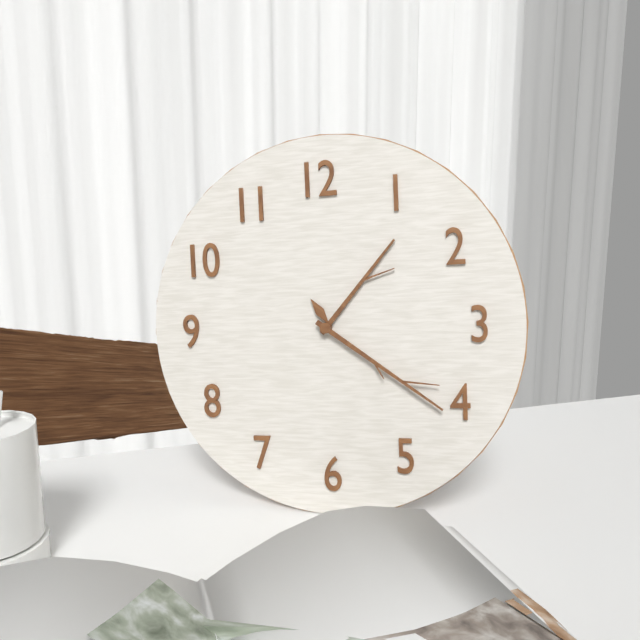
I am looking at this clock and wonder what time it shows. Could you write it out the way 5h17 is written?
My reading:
1h21
